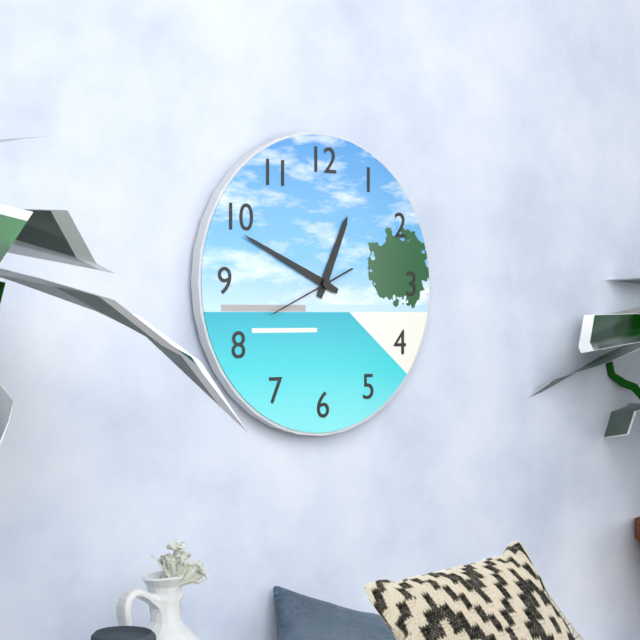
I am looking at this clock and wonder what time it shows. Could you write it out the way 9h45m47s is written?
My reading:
12h49m41s
